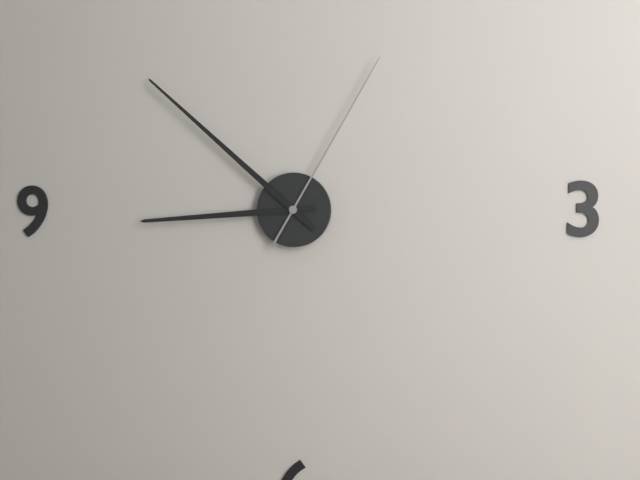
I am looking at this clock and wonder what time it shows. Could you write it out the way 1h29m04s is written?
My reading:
8h52m05s
